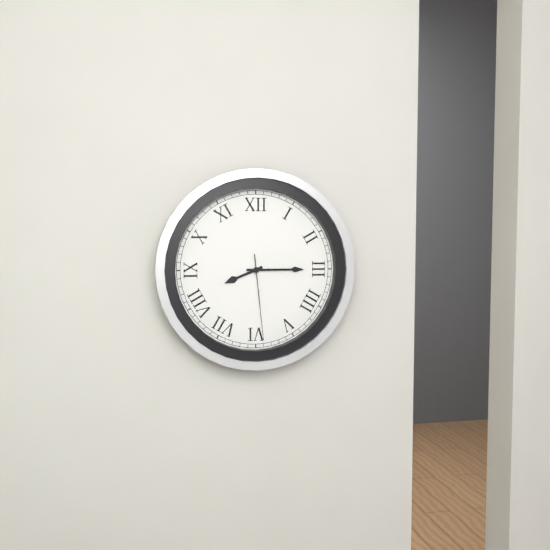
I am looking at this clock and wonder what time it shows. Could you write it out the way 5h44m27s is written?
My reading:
8h15m29s
